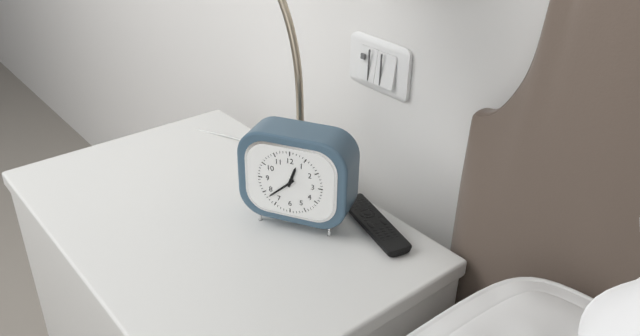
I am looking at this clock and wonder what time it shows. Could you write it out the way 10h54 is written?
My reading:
12h38
